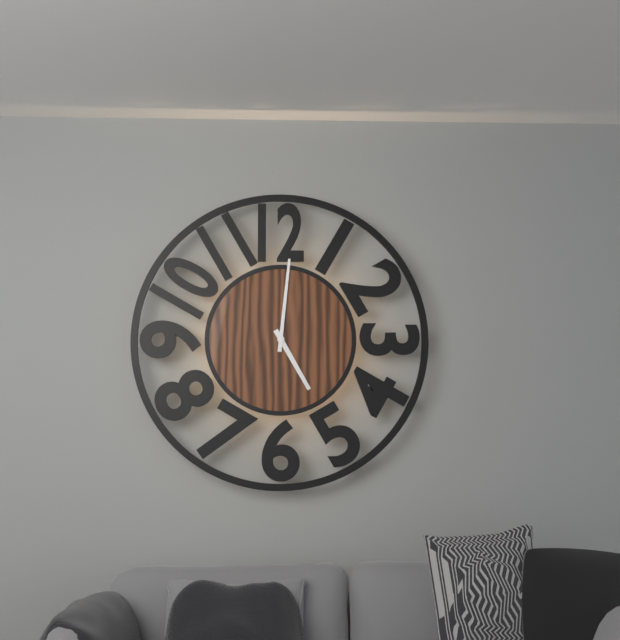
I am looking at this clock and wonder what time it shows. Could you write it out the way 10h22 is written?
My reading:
5h01
